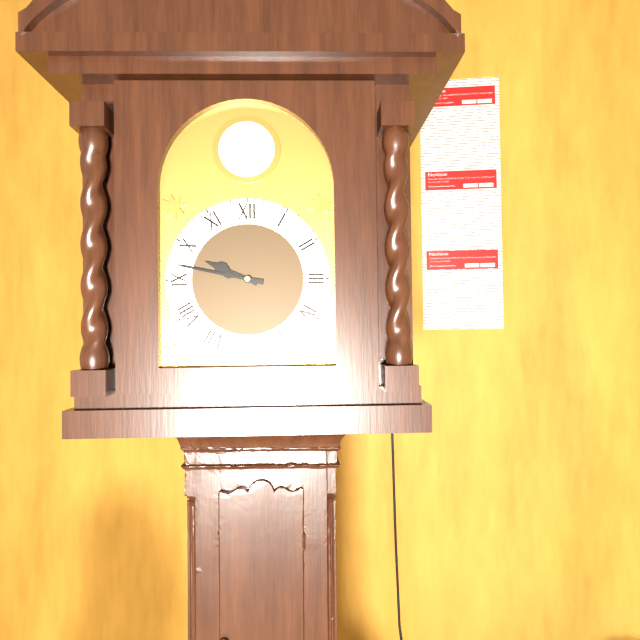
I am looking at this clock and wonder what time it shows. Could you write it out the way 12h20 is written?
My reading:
9h47
